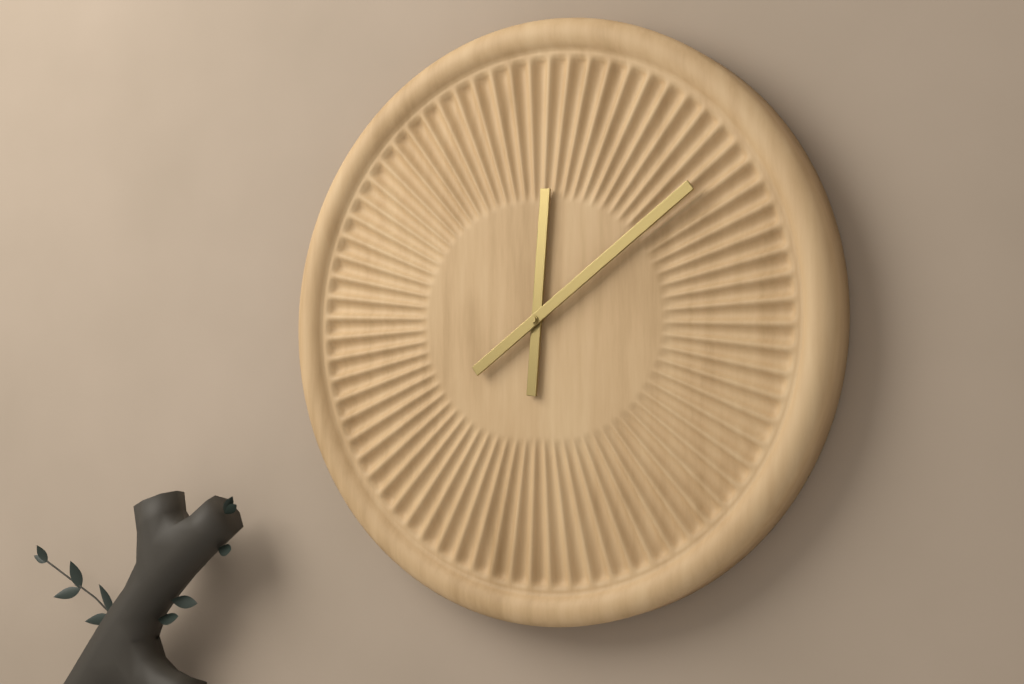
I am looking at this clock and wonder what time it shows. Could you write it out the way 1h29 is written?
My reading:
12h09
